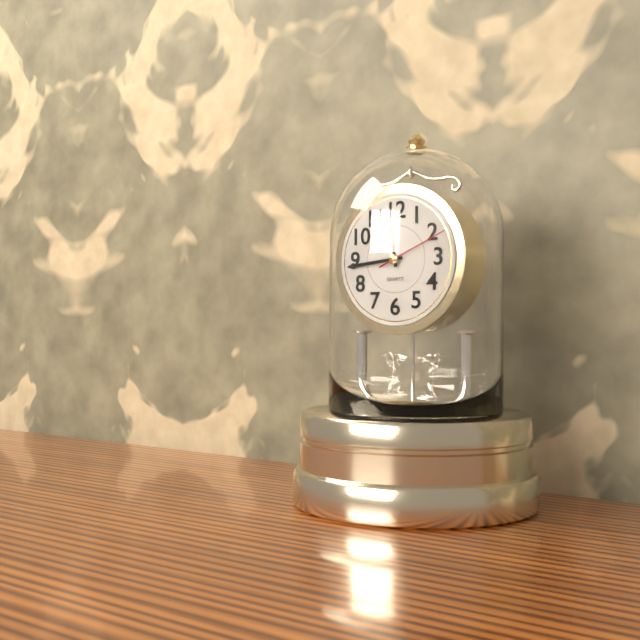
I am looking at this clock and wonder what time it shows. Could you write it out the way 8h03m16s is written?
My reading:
11h44m11s
